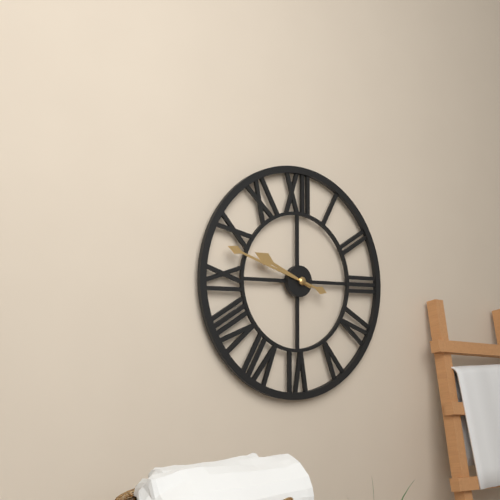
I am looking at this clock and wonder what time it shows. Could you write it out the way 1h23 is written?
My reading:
9h48
